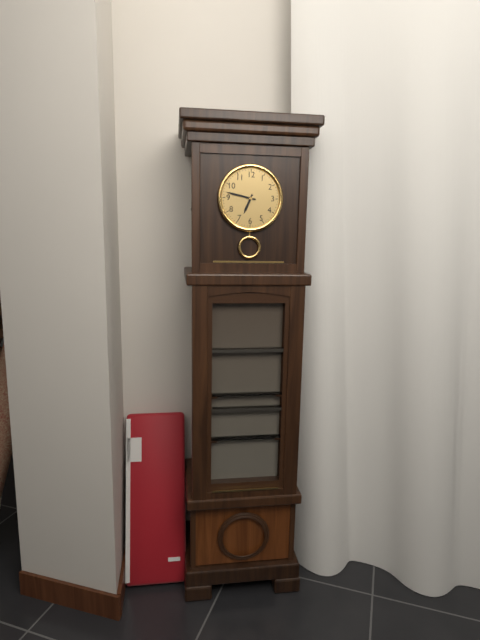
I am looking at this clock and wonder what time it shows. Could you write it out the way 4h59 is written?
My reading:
6h47
